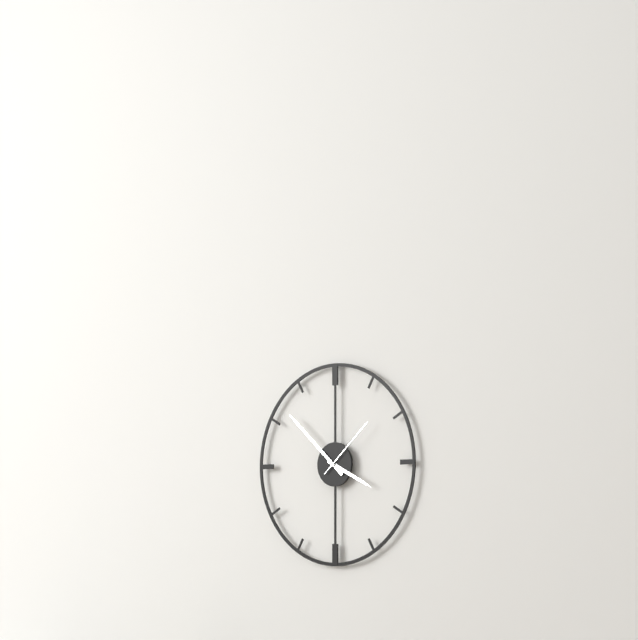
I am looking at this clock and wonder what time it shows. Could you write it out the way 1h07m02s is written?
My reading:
3h52m08s
